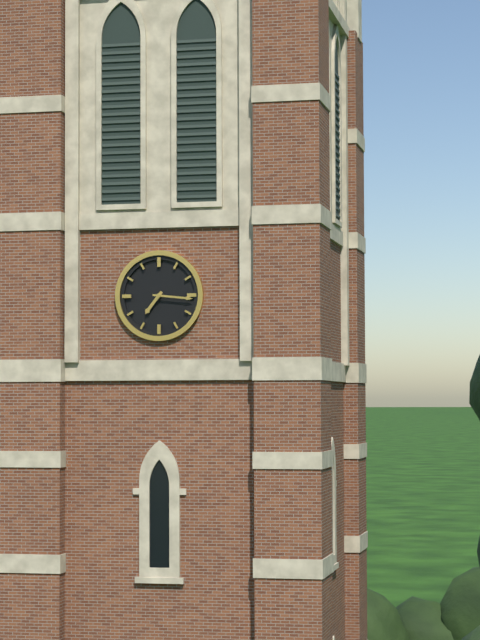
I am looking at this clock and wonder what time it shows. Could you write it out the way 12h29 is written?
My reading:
7h16
